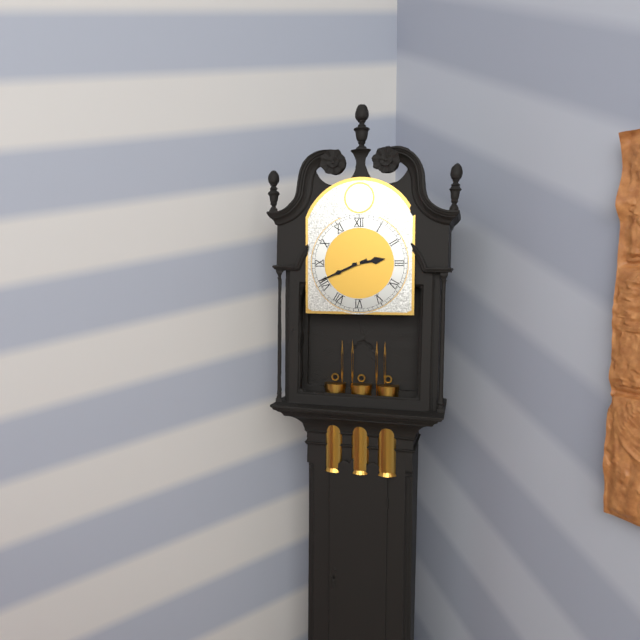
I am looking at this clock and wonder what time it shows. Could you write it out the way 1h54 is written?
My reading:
2h41
